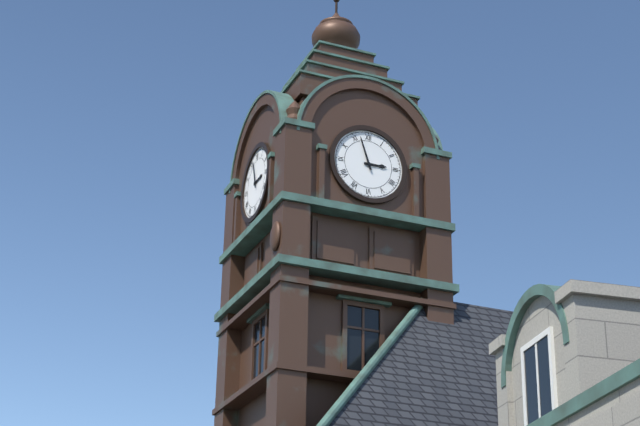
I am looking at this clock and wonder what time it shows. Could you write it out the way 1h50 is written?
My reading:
2h57
